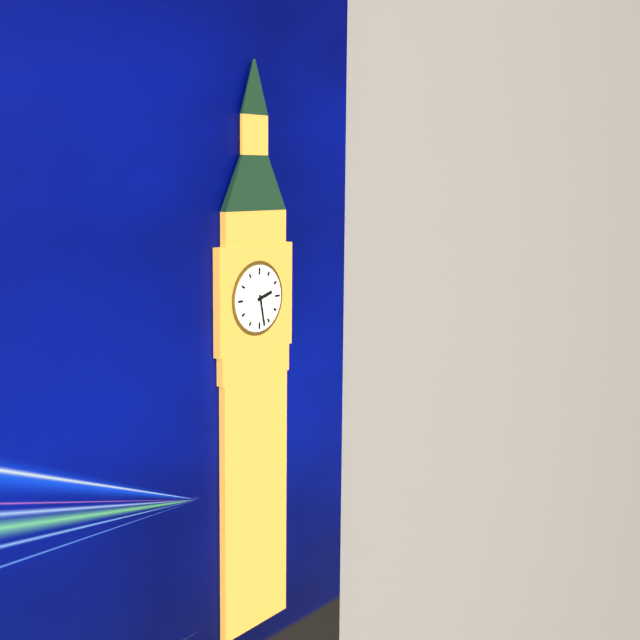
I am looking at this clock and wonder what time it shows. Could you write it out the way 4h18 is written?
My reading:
2h28
